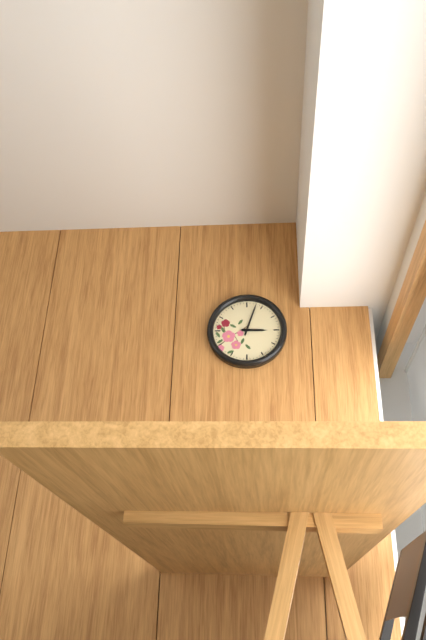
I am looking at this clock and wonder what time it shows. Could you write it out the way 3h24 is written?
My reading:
3h03
